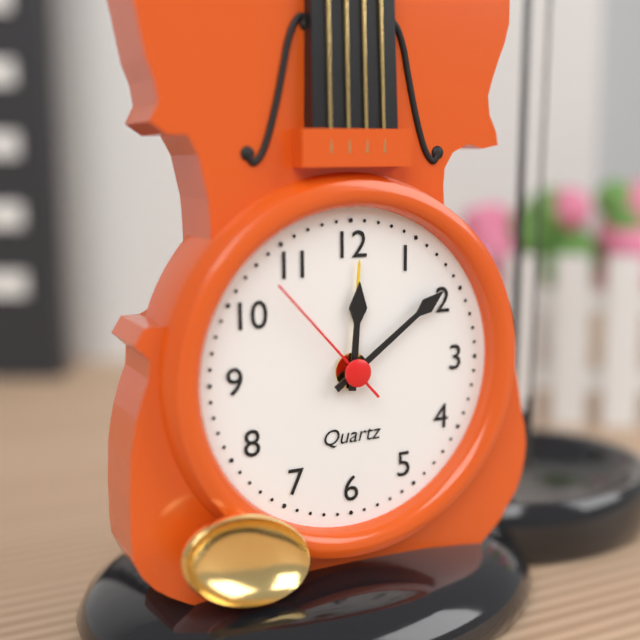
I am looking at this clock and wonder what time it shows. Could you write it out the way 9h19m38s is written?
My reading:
12h09m53s
